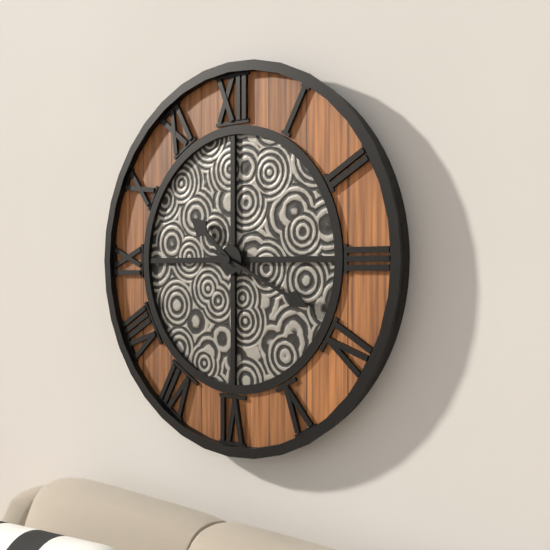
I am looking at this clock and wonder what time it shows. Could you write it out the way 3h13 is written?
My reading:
10h19
